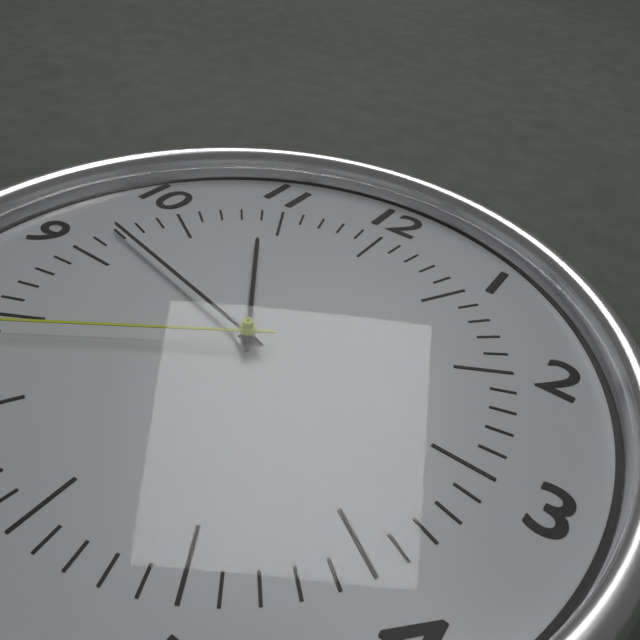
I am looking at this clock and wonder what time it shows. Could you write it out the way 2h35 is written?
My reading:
10h47
